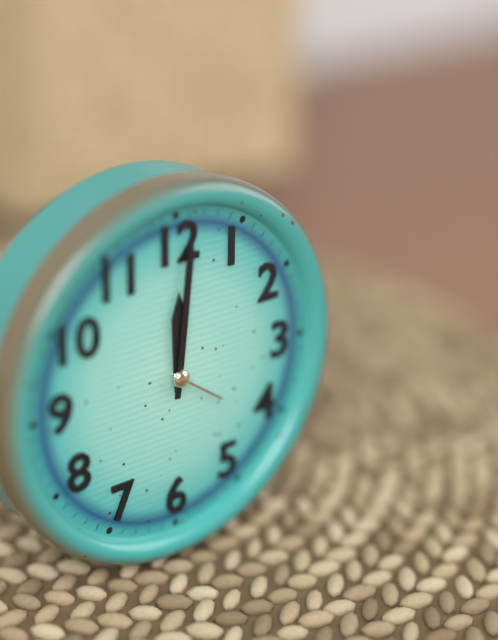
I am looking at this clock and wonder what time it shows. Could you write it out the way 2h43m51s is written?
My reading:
12h01m21s
